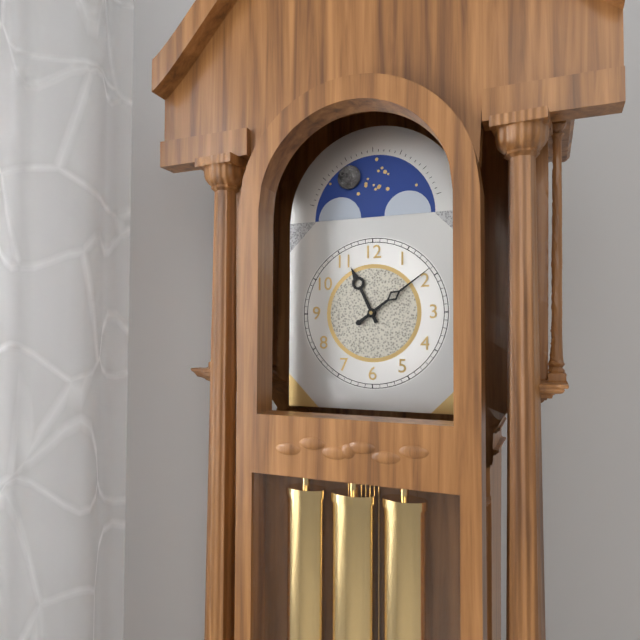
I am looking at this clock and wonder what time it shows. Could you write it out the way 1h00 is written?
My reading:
11h09
